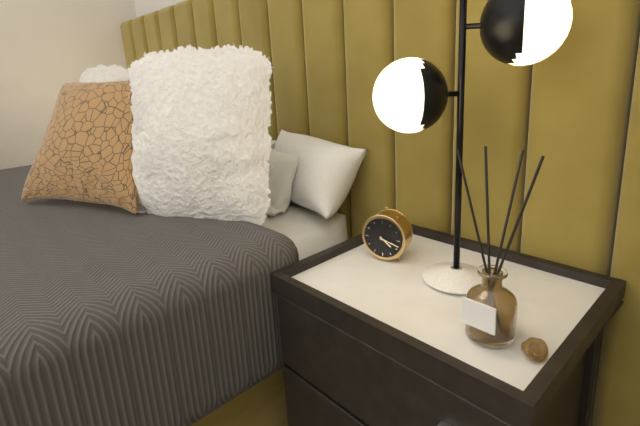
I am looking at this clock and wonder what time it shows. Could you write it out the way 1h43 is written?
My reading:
4h18
